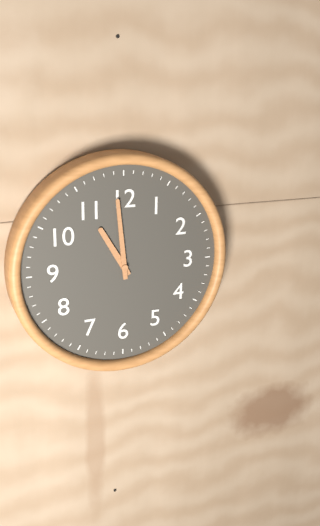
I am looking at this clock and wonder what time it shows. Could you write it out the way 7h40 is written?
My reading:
10h59
